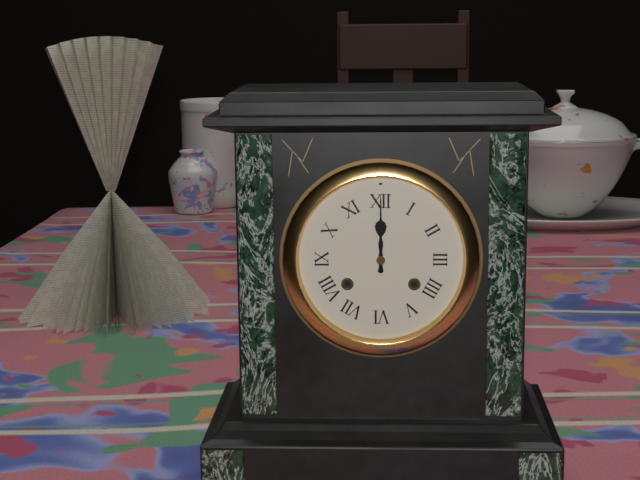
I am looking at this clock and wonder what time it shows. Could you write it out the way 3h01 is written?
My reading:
12h00
